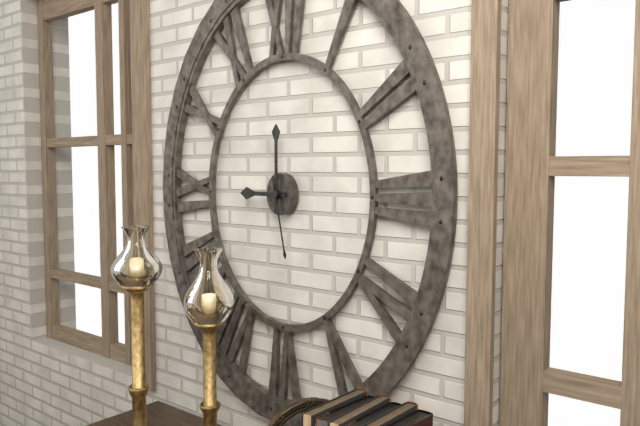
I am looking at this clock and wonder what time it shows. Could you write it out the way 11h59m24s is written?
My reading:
9h00m28s
